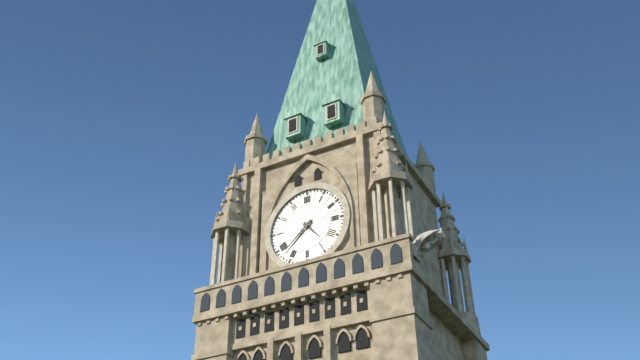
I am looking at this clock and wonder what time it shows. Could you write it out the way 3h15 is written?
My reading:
4h38
